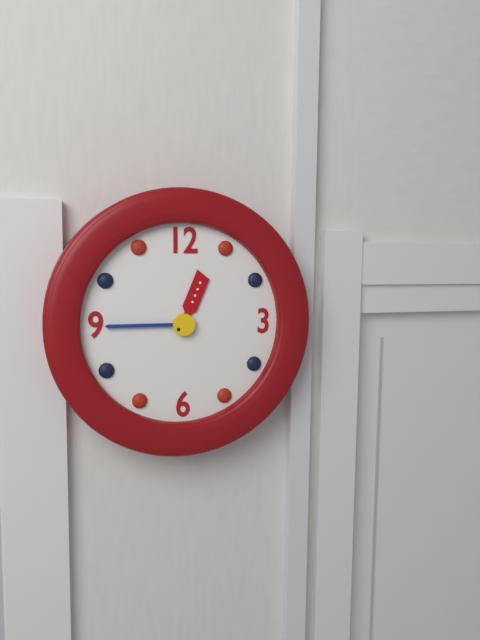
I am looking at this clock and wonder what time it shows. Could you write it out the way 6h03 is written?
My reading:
12h45
